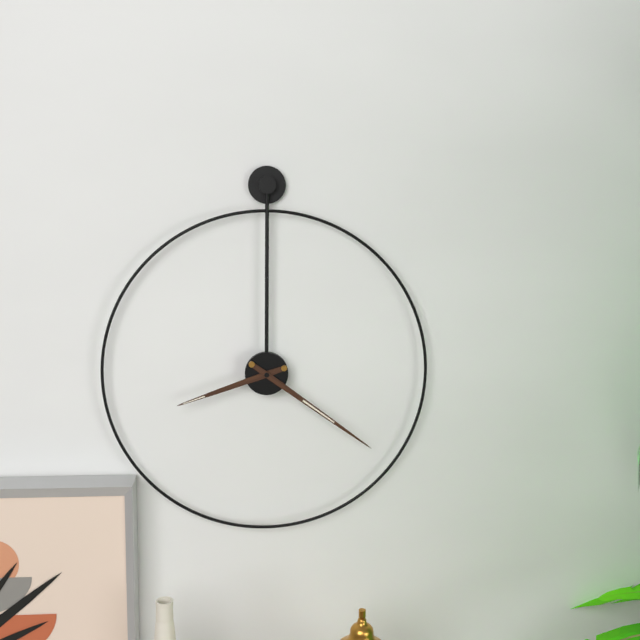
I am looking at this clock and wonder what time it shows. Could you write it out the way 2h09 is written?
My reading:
8h21
